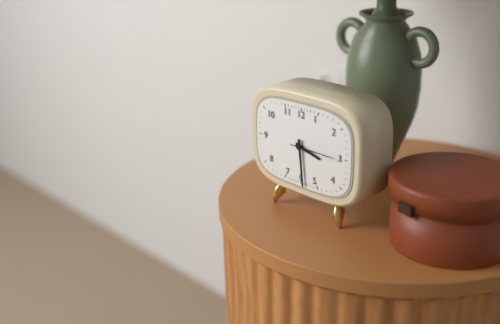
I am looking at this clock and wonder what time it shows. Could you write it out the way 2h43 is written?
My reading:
3h29
